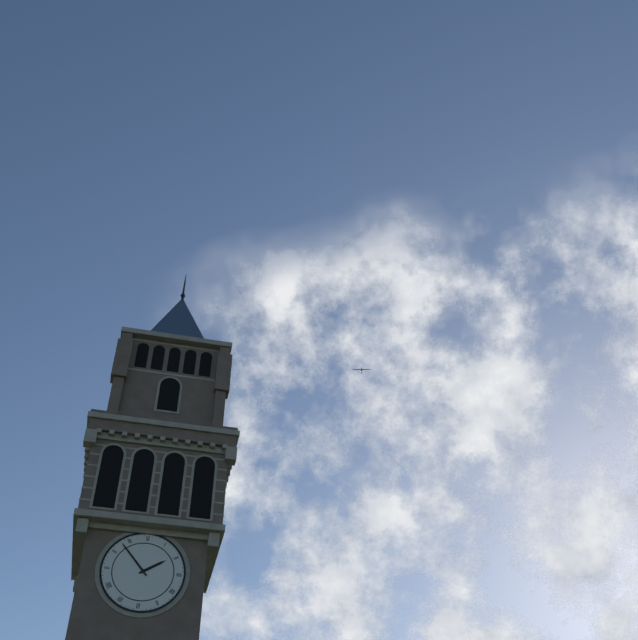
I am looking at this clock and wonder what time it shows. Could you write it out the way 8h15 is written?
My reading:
1h53
